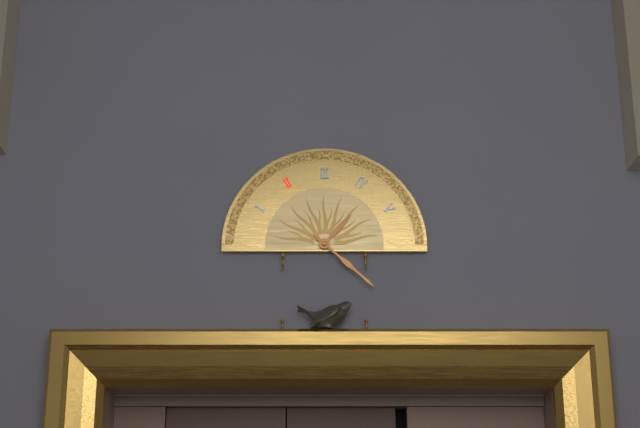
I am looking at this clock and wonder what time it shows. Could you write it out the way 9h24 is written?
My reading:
1h22
